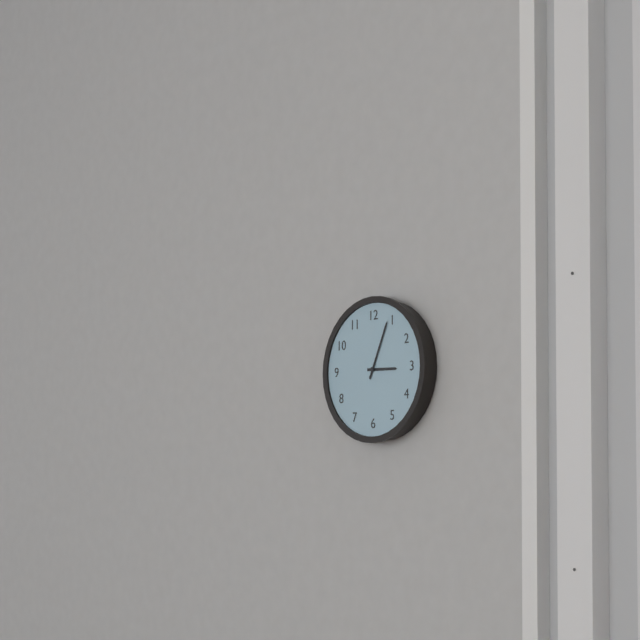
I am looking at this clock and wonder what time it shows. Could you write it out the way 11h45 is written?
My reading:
3h04
